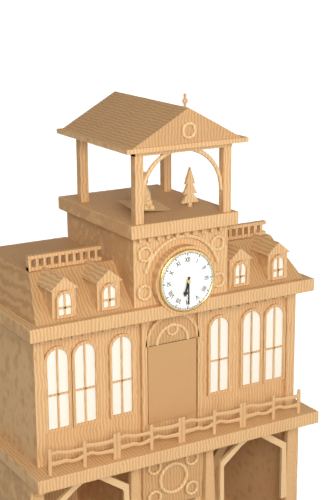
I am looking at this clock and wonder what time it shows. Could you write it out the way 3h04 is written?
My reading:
6h30
